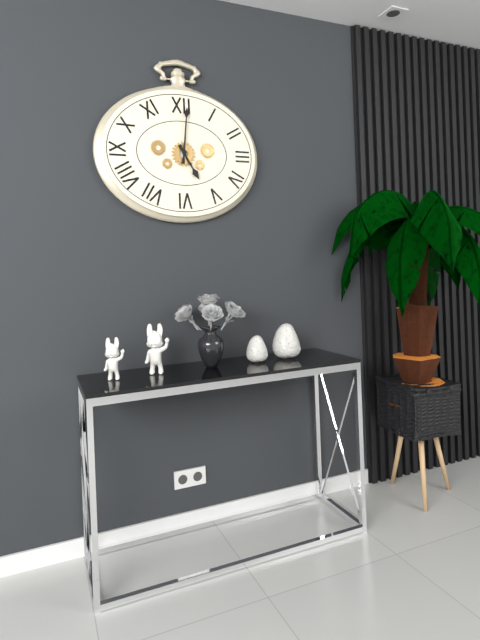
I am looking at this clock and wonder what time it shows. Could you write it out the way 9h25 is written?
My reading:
5h01
